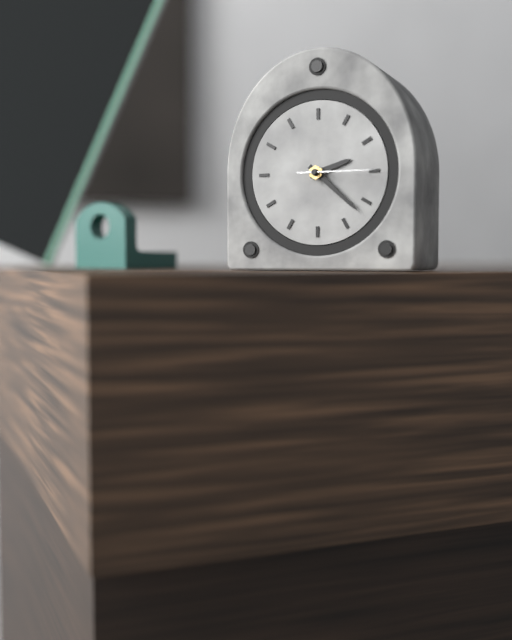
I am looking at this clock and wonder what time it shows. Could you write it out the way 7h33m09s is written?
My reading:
2h22m15s
